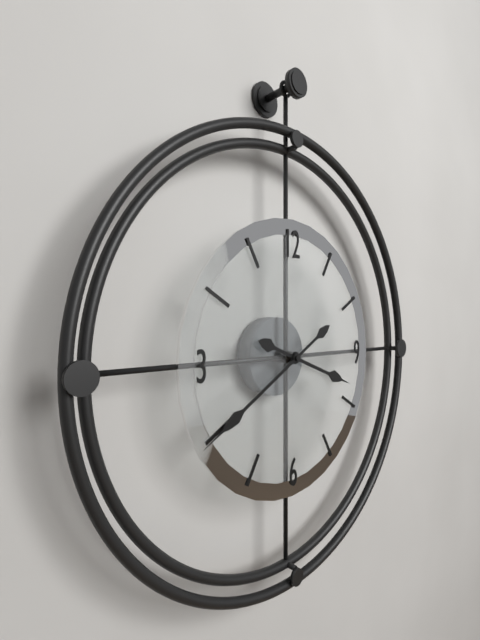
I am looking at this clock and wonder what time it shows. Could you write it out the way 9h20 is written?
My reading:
3h40
